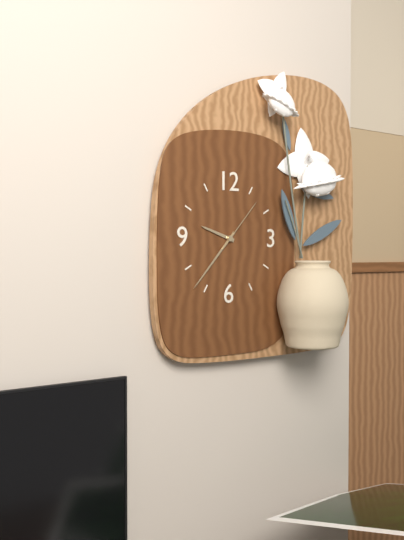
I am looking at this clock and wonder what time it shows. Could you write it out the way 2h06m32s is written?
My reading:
9h37m07s
